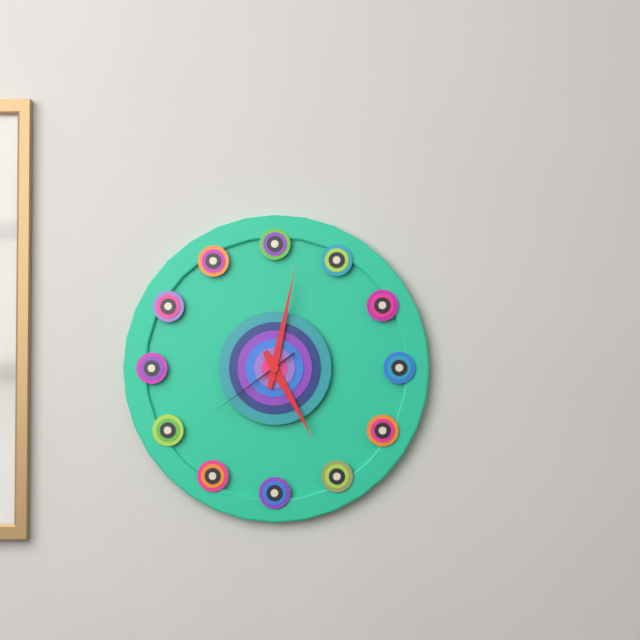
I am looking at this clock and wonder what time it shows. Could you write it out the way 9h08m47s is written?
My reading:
5h02m39s
